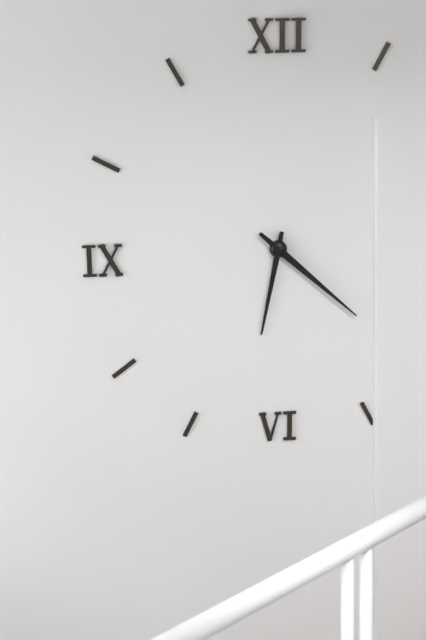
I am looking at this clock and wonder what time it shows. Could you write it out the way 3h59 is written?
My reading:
6h22
